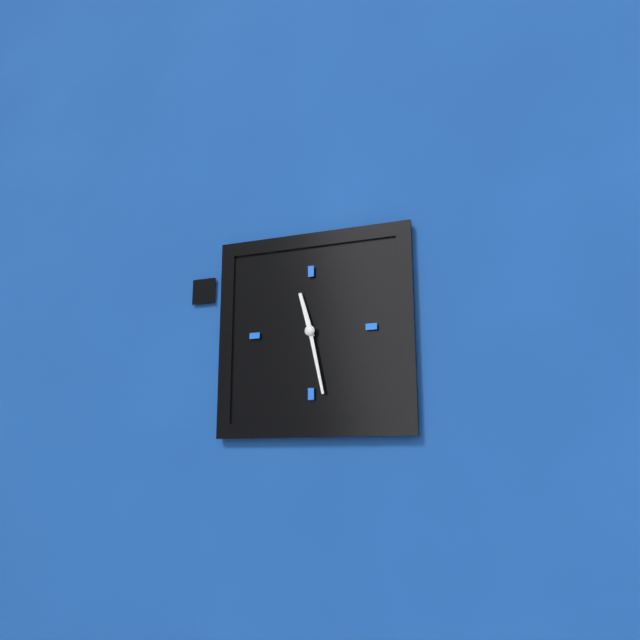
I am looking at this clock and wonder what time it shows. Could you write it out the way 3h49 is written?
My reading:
11h28
